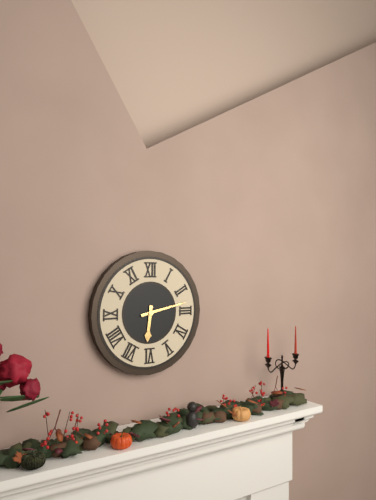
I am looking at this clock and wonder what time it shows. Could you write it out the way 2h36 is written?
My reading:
6h13
